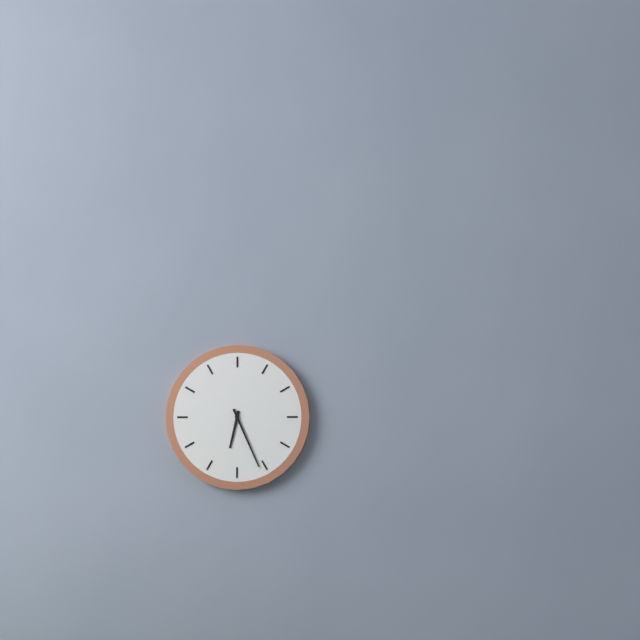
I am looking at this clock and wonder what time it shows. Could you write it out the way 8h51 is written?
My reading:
6h26
